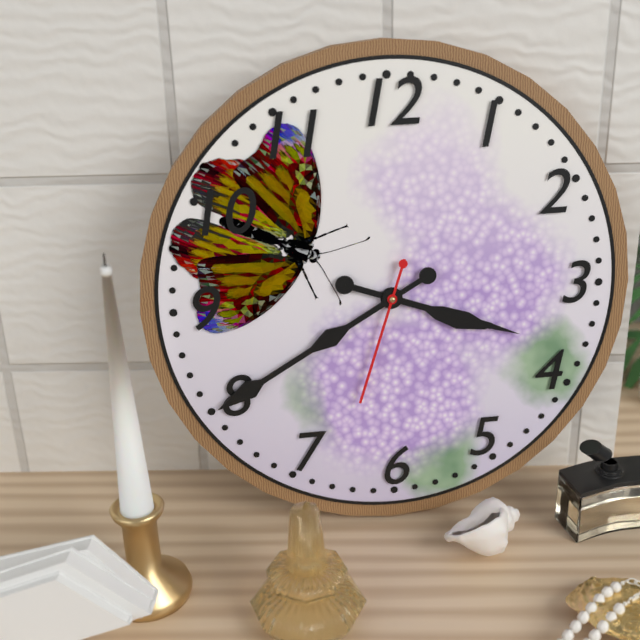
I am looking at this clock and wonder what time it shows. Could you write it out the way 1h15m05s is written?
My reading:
3h40m33s
